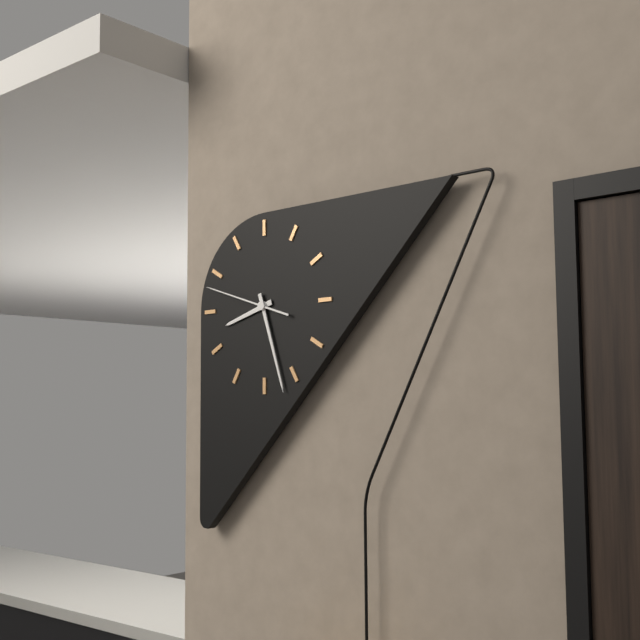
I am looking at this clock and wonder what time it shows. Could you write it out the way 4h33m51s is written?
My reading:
8h27m48s
